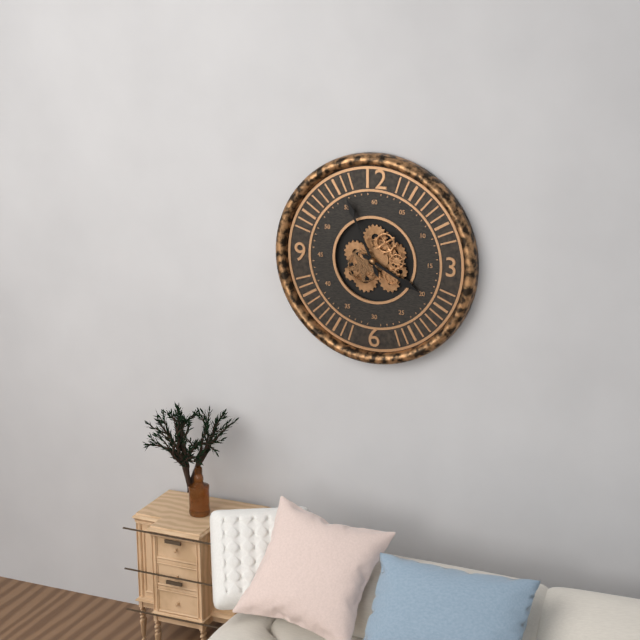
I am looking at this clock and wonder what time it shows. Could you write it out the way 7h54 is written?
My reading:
3h56
